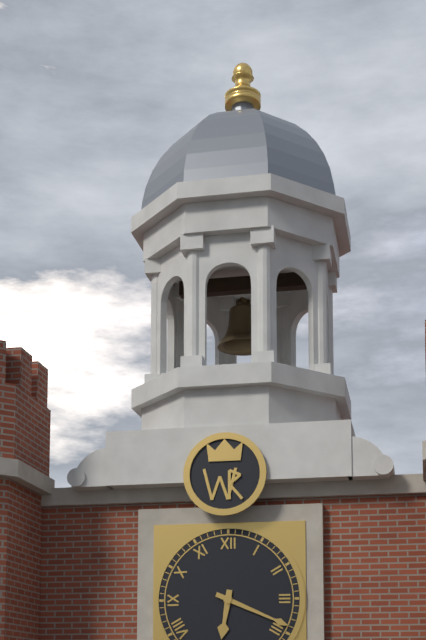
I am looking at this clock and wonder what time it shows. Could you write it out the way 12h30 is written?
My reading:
6h19
